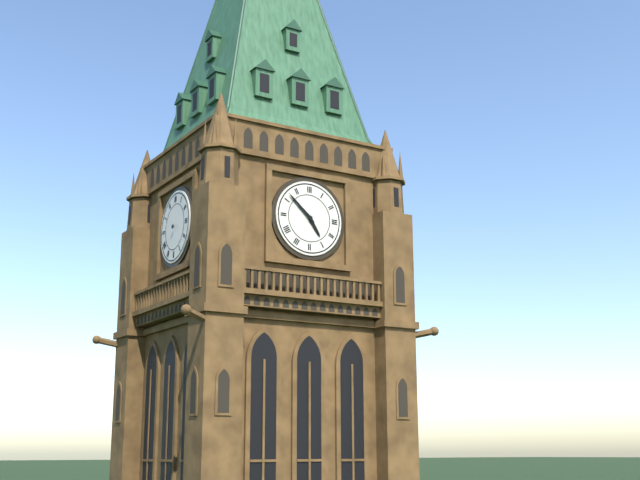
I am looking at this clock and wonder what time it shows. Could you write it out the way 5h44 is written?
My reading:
4h52
